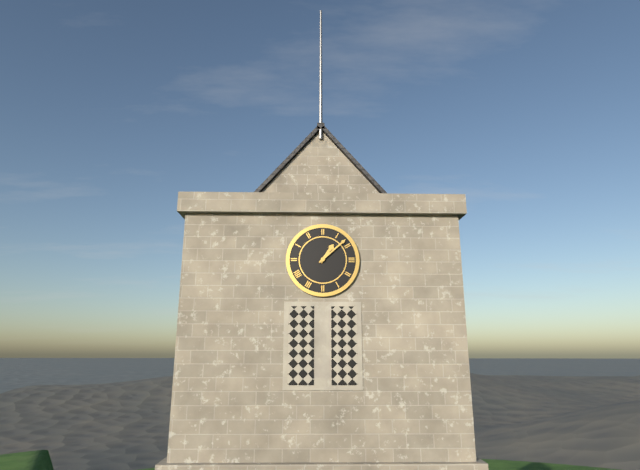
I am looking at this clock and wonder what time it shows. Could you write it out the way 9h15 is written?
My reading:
1h08
